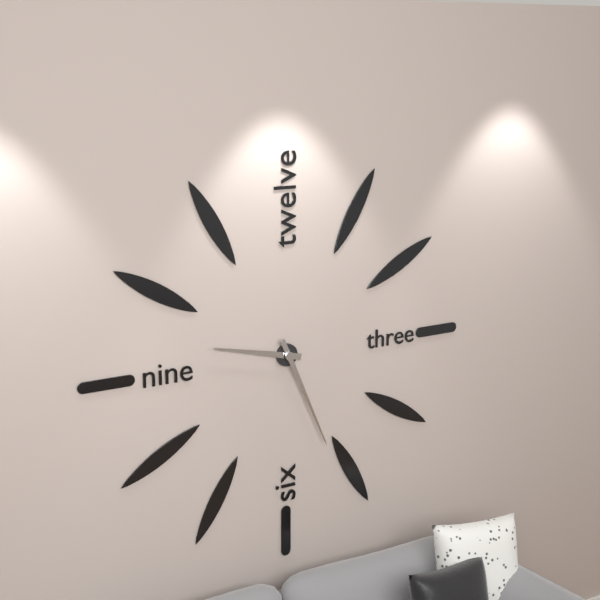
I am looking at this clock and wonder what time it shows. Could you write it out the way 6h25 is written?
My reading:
9h26
